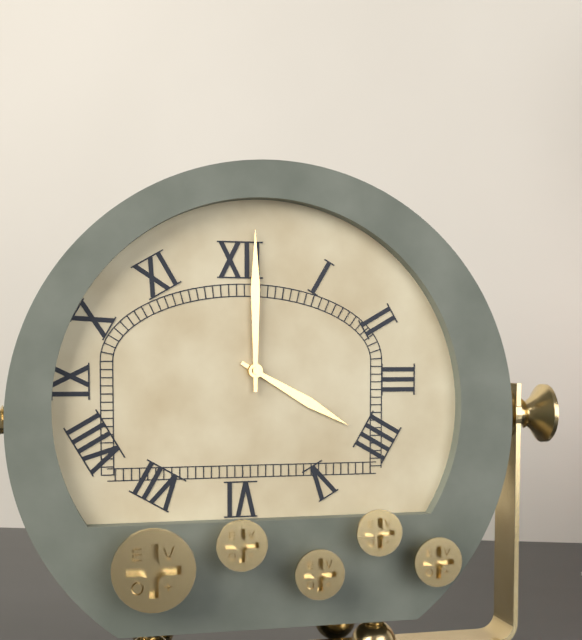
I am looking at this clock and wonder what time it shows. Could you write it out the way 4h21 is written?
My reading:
4h00
